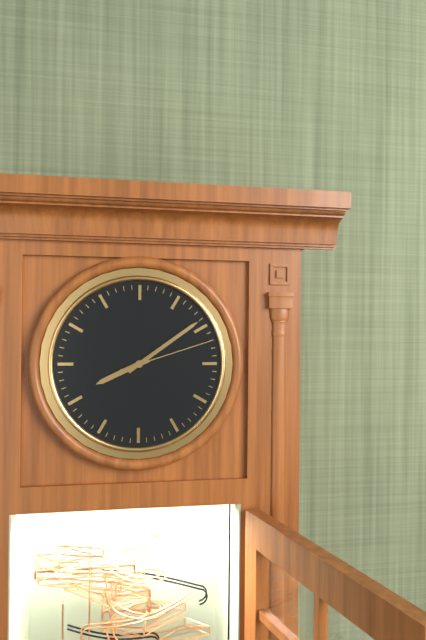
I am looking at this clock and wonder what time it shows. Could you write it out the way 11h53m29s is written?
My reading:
8h09m12s
